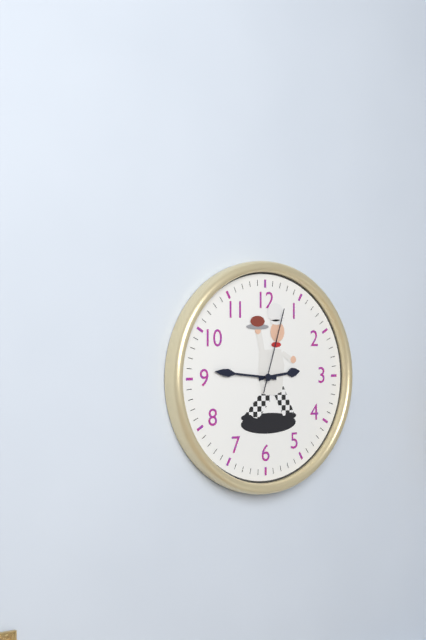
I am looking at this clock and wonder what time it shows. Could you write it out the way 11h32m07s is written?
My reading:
2h46m03s
